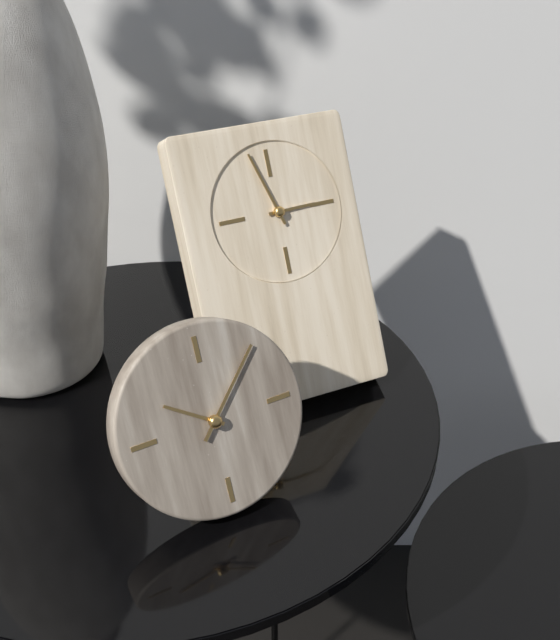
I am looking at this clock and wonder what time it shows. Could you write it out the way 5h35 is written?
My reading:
2h57
